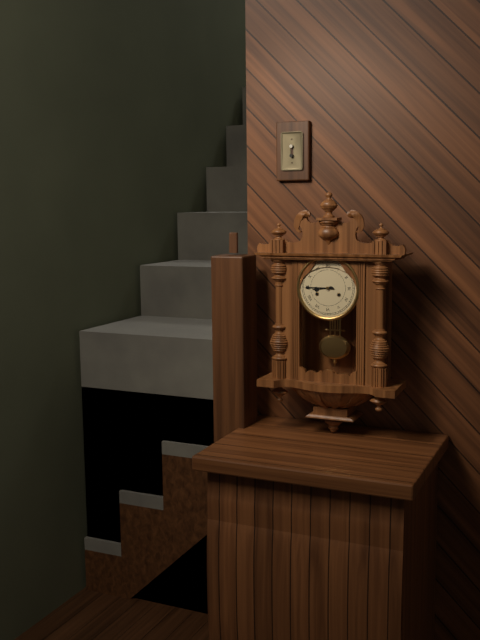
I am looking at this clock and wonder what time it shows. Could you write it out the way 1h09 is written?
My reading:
8h45
